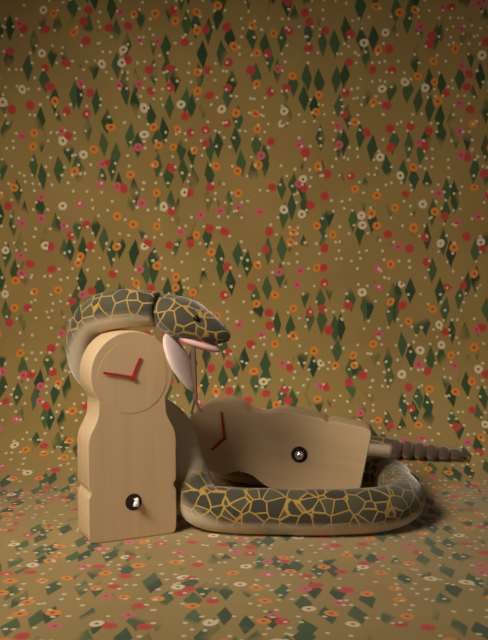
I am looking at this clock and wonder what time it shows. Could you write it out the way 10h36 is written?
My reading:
12h47
